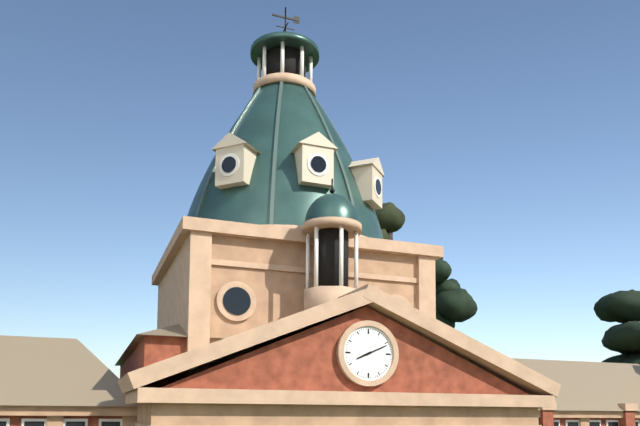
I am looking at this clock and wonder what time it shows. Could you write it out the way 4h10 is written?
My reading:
8h11
